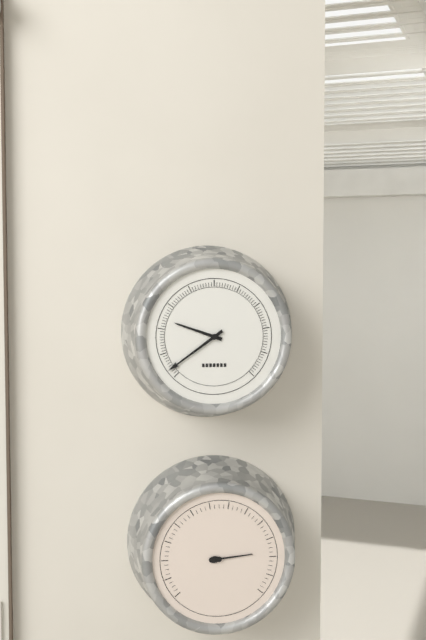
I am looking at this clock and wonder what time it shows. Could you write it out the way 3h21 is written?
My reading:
9h39
